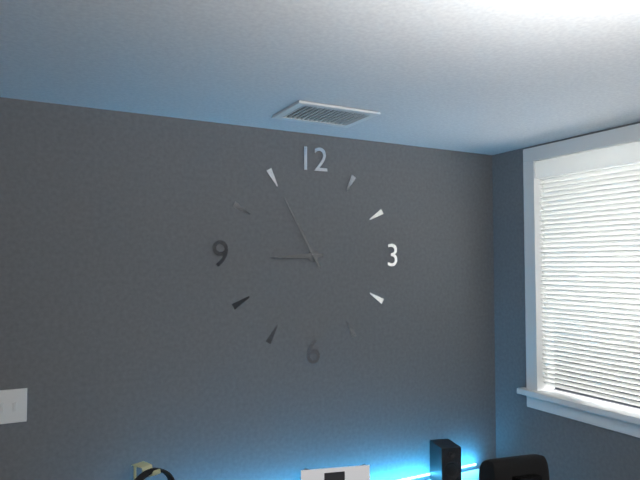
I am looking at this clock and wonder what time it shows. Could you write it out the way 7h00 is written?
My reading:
8h55
